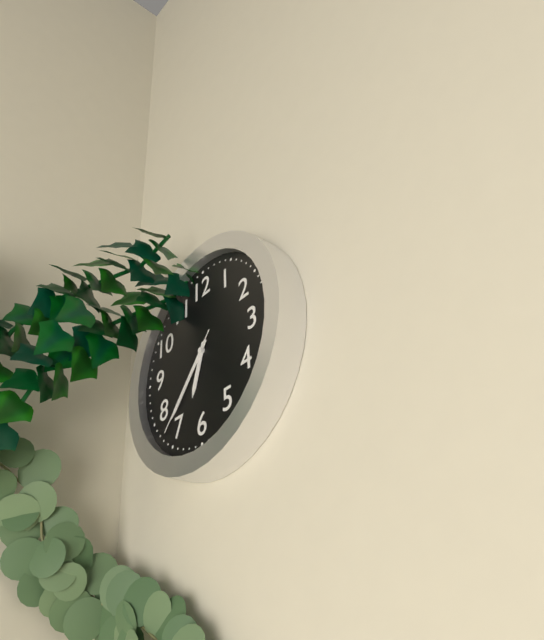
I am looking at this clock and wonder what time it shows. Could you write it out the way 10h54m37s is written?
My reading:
6h37m37s
